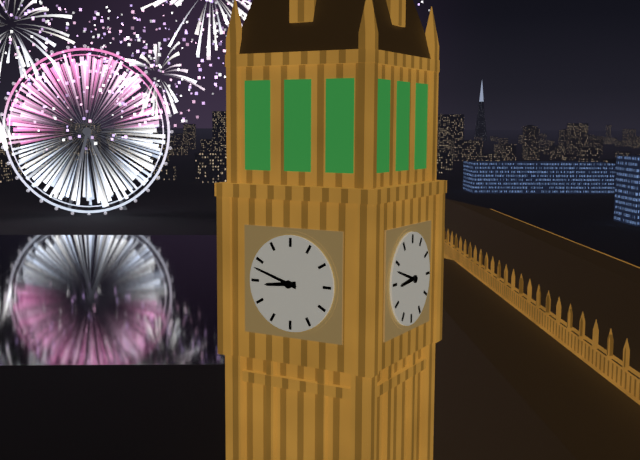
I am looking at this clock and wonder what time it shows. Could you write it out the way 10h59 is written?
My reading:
8h48
